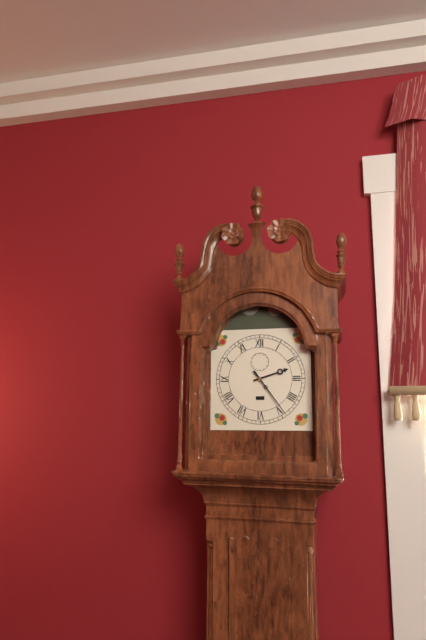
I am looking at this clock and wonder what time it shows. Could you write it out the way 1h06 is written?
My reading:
2h24
